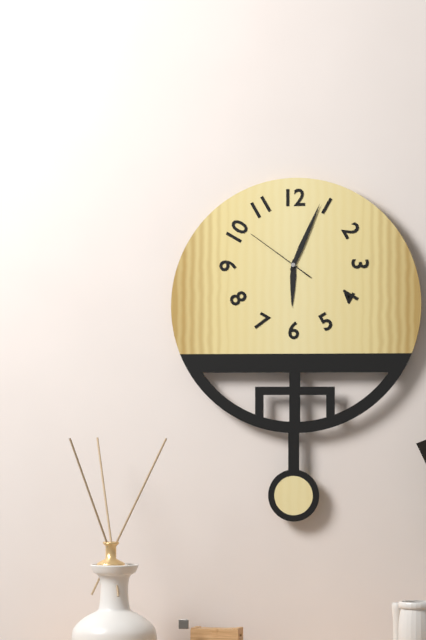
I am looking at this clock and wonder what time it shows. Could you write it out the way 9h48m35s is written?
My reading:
6h04m51s
